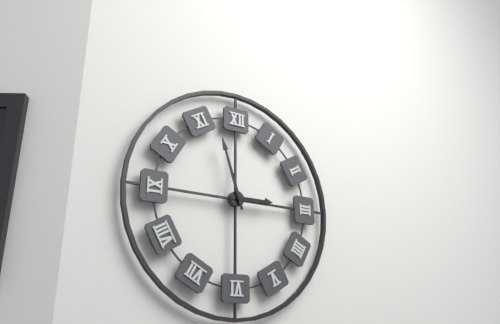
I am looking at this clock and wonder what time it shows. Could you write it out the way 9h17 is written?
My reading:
2h57
